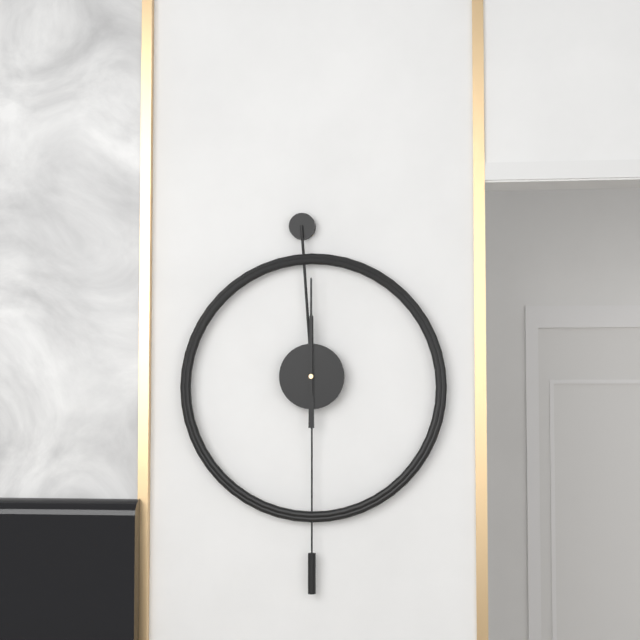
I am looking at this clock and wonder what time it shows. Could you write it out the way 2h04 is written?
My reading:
12h00
